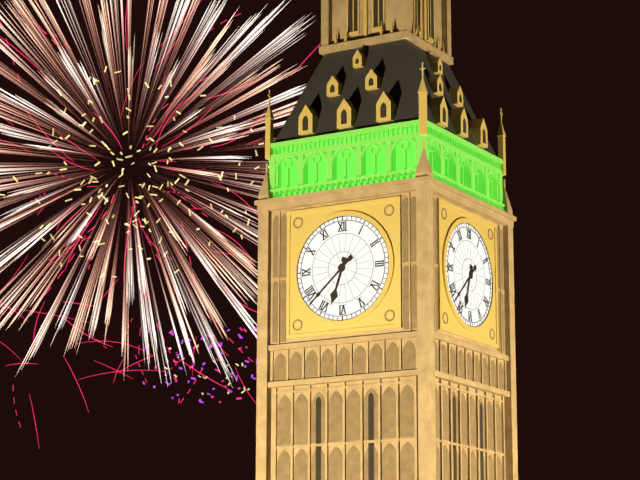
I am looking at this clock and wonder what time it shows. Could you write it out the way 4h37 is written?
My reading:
6h38
